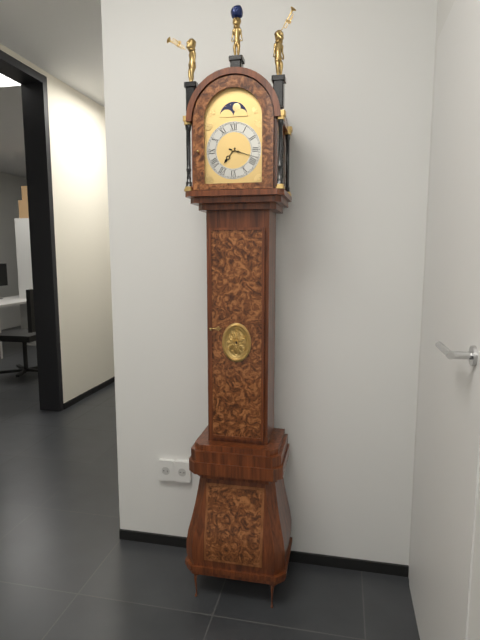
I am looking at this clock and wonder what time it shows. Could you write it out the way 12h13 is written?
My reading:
7h18
